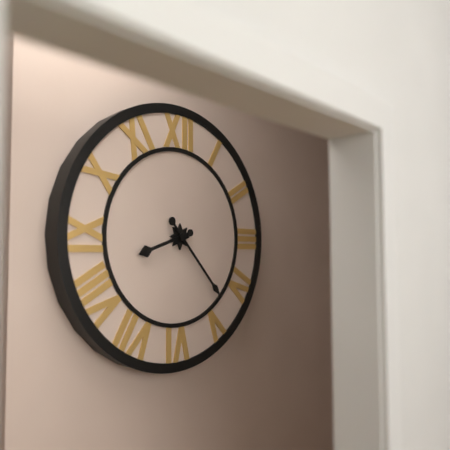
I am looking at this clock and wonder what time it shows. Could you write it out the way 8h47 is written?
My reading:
8h23
